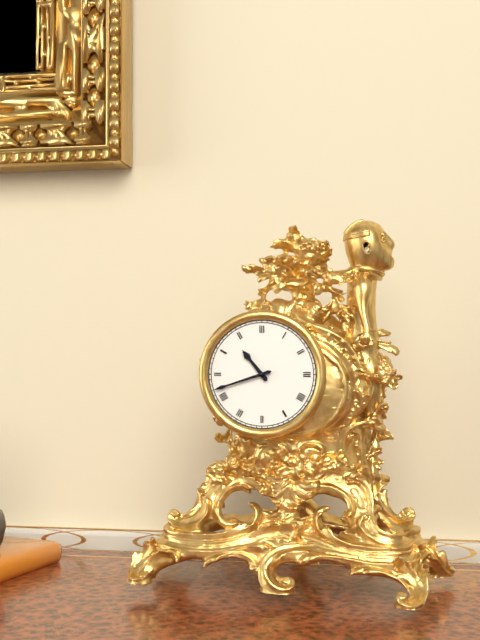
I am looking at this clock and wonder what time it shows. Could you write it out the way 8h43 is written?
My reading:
10h42
